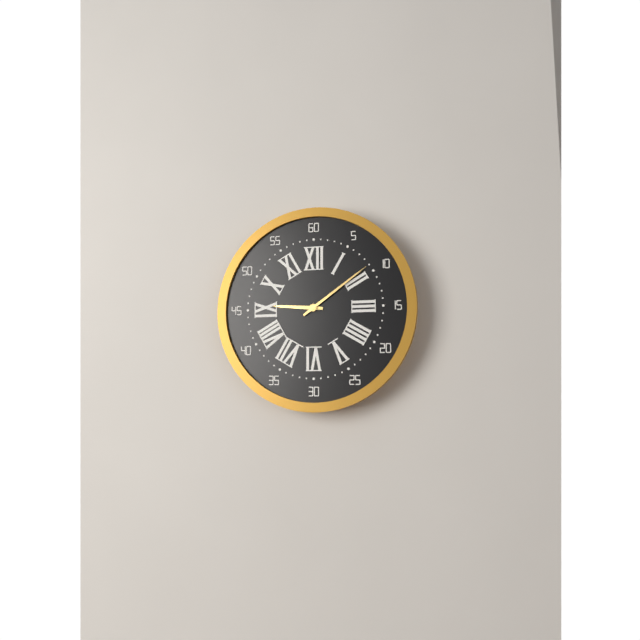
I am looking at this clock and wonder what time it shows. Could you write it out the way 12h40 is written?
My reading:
9h09
